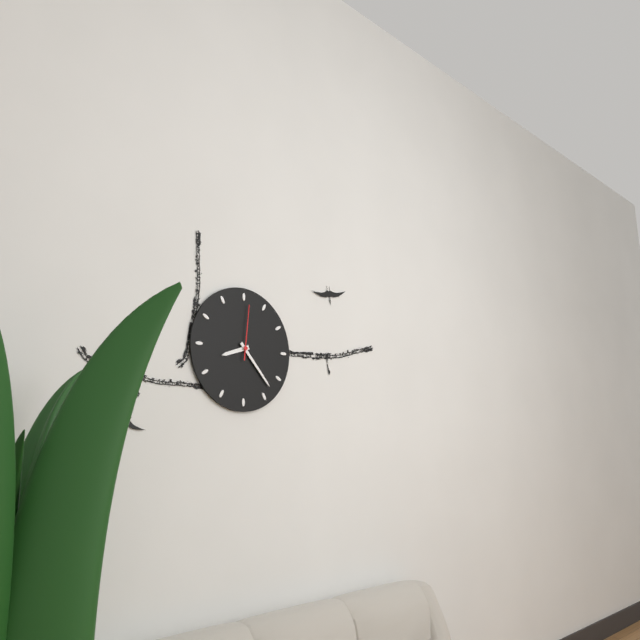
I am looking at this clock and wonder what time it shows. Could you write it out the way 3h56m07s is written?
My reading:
8h23m01s
